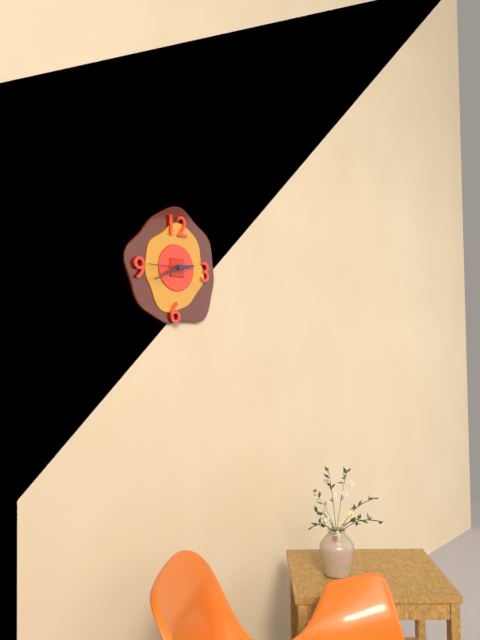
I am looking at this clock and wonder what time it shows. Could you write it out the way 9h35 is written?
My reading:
2h41
